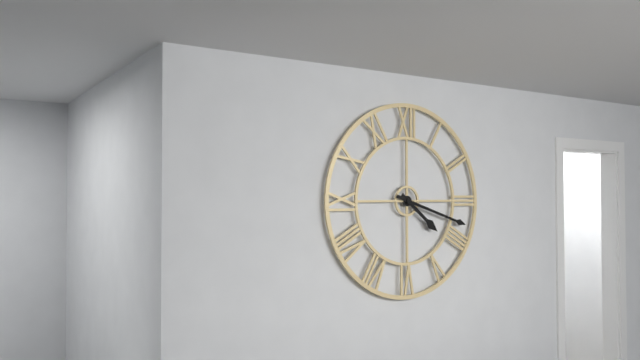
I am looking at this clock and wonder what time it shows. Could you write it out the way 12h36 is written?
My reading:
4h18
